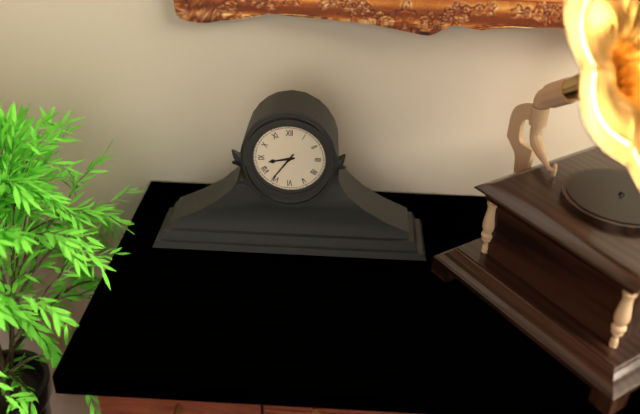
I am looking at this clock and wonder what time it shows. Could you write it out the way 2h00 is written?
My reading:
8h36
